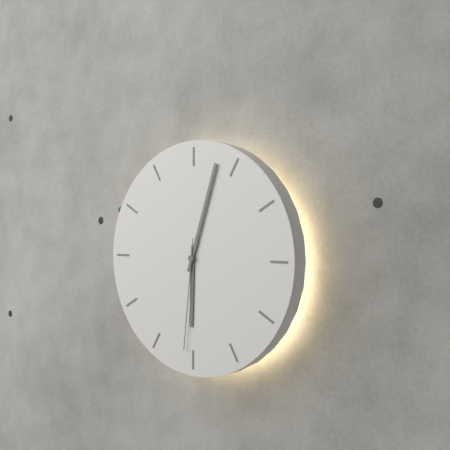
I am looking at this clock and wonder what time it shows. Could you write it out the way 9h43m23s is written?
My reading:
6h03m31s
